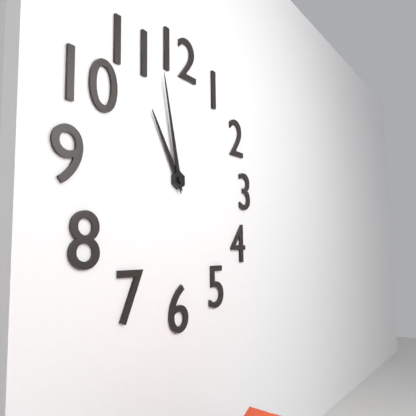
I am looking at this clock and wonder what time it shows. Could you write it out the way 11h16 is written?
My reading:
10h58
